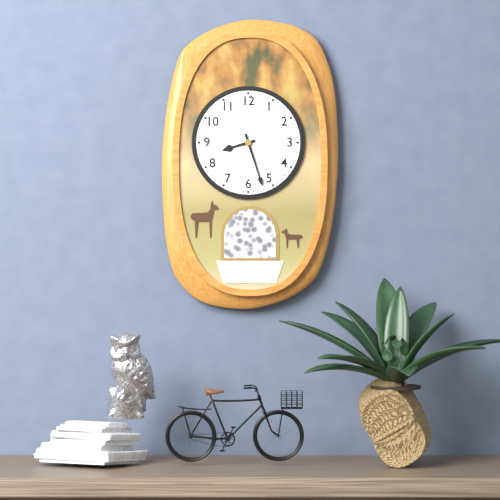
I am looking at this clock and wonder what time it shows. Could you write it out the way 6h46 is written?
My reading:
8h27
